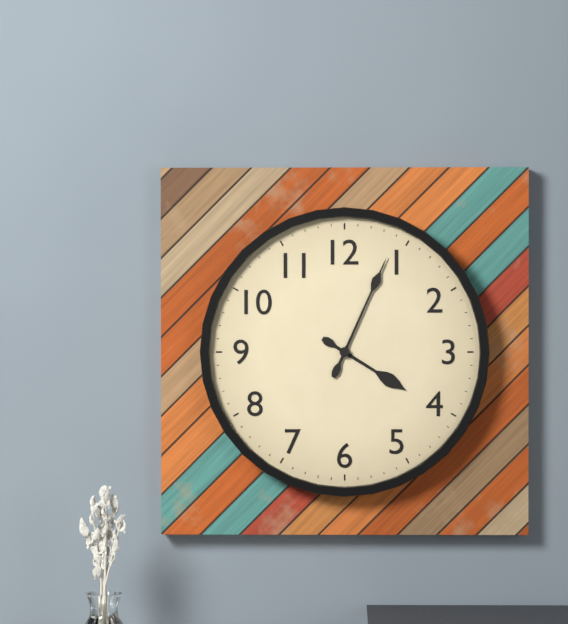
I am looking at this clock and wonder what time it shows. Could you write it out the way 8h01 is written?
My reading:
4h04
